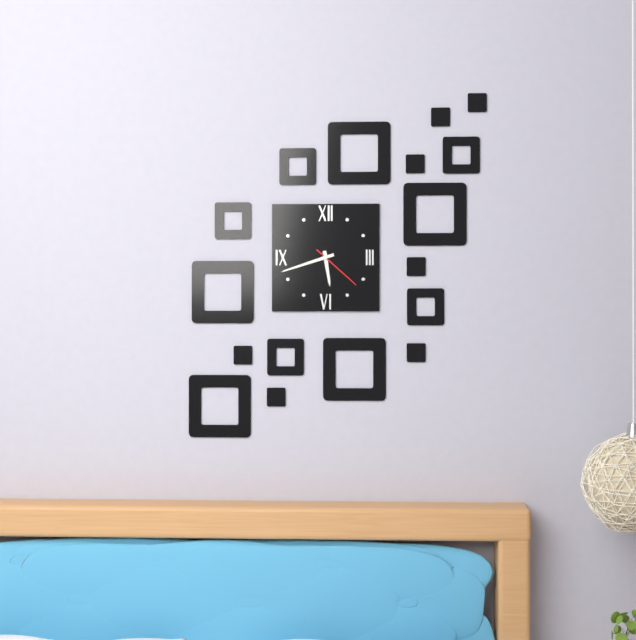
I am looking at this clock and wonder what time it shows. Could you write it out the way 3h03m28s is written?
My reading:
5h42m22s
